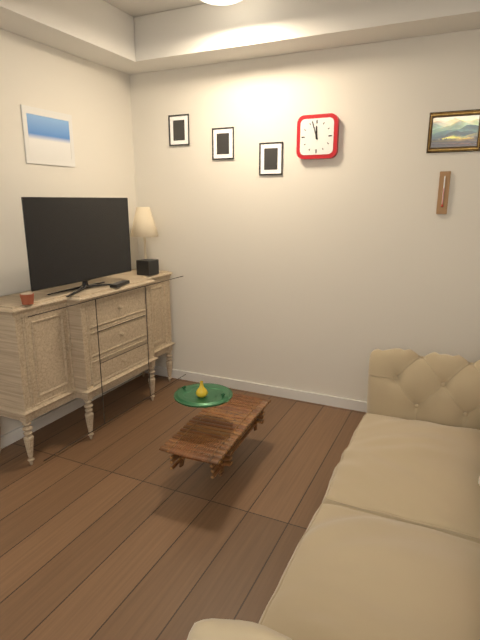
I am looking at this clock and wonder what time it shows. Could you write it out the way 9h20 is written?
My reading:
11h57
